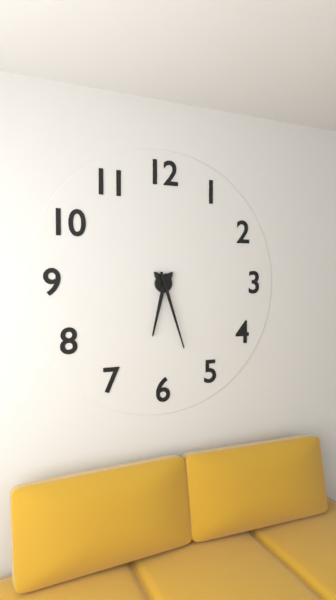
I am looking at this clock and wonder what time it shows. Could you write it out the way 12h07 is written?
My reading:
6h27
